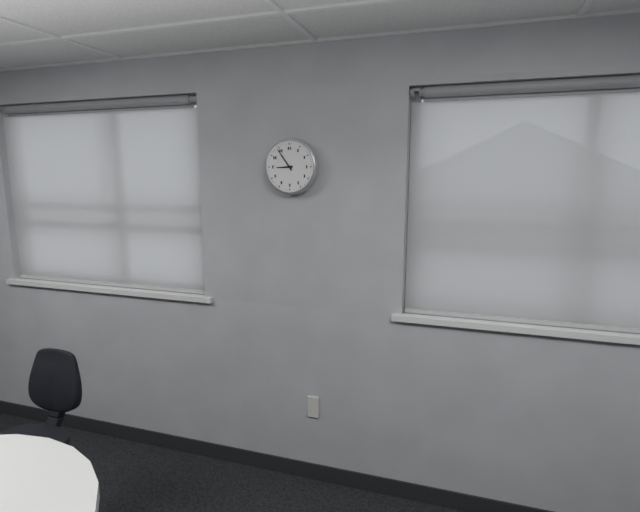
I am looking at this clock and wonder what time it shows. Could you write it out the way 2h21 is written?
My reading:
8h54
